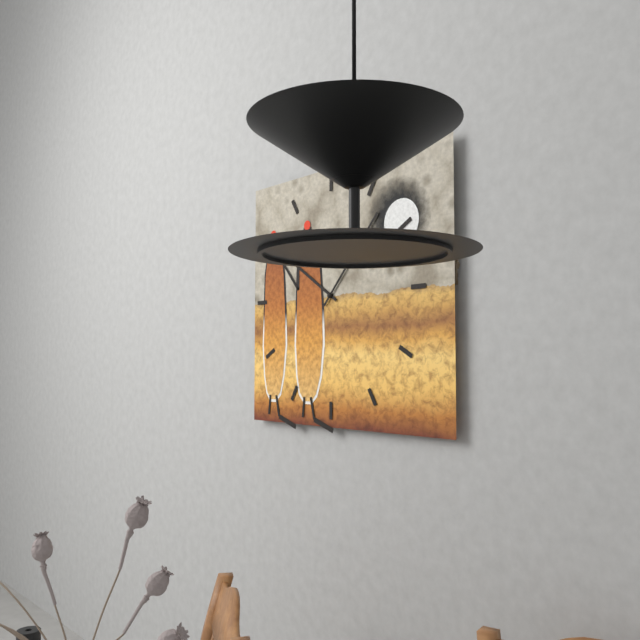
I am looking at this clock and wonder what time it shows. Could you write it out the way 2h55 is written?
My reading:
10h07
